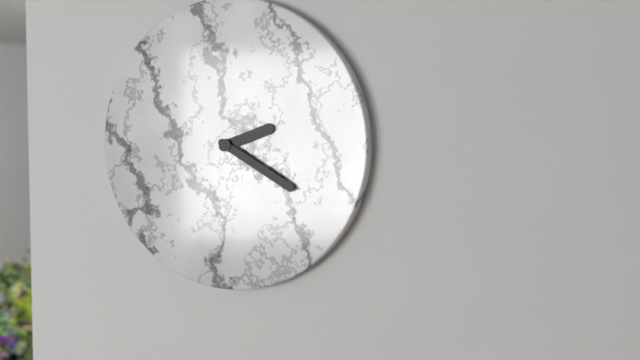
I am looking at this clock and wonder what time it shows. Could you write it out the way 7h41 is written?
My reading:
2h20
